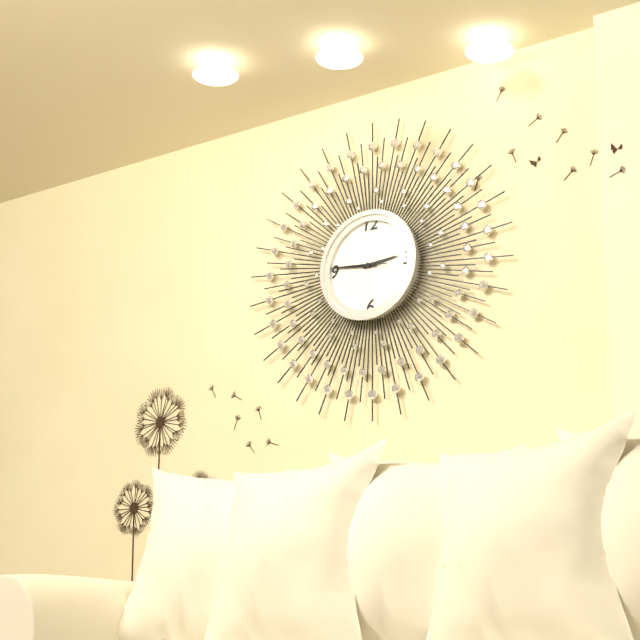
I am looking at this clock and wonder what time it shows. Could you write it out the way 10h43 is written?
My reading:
2h46
